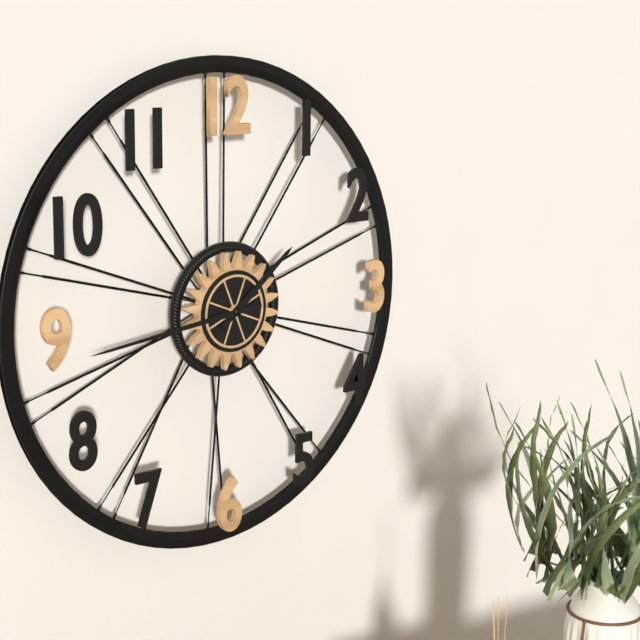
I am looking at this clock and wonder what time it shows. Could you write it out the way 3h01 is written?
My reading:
1h44
